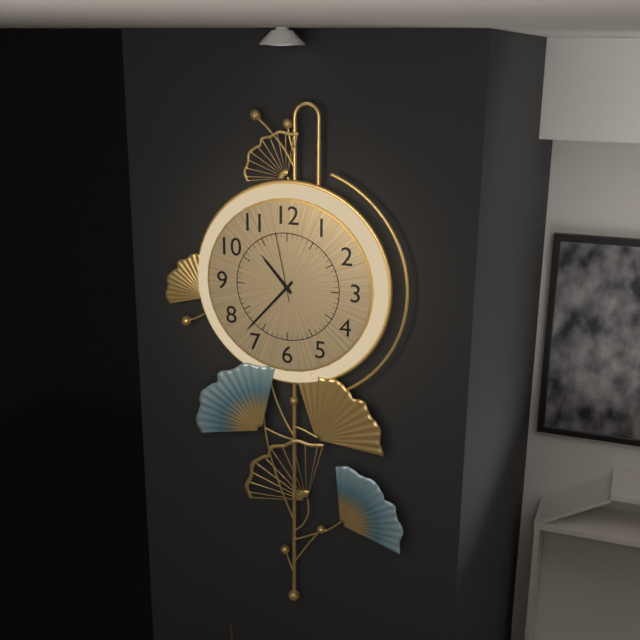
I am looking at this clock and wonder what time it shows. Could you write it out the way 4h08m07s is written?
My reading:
10h37m58s
